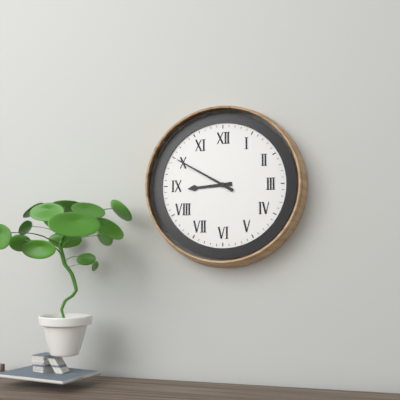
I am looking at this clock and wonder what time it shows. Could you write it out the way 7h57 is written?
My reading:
8h50
